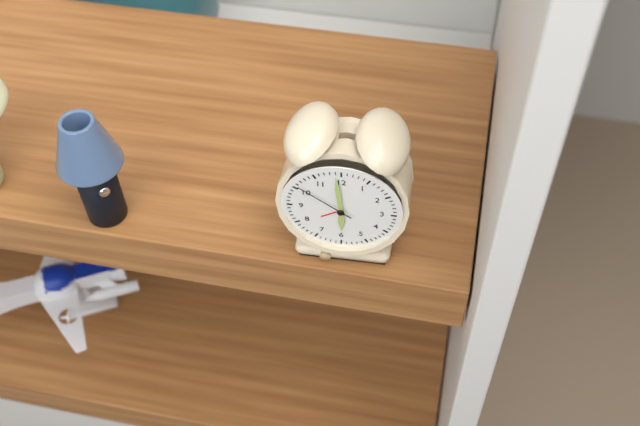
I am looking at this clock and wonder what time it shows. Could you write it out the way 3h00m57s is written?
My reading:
5h59m51s
